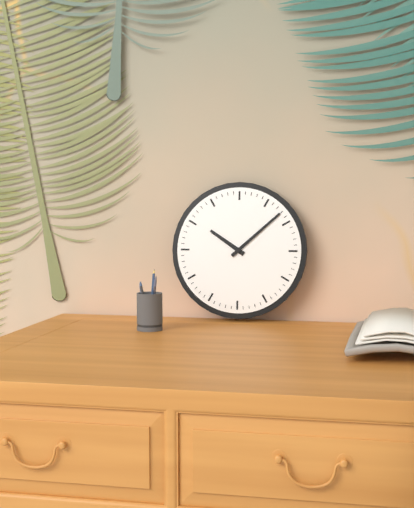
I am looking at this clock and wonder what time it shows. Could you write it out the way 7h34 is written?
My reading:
10h08
